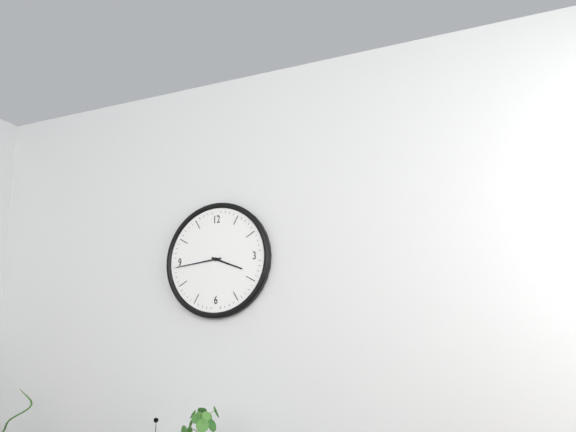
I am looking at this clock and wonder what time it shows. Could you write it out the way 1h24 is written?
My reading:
3h44
